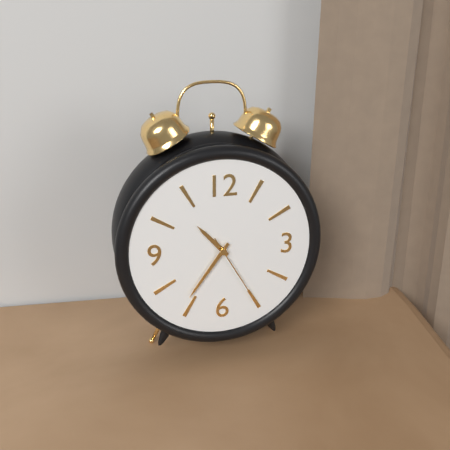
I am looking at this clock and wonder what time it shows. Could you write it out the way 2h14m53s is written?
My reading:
10h36m25s
